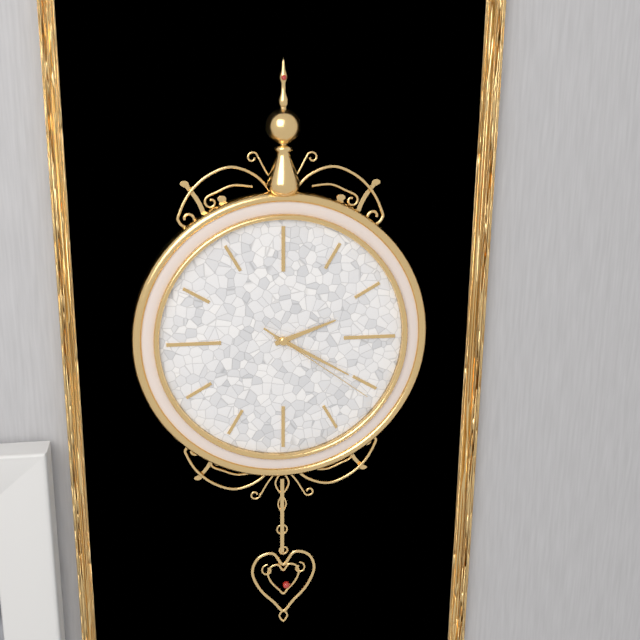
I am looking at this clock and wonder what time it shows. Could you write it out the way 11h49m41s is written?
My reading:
2h20m21s
